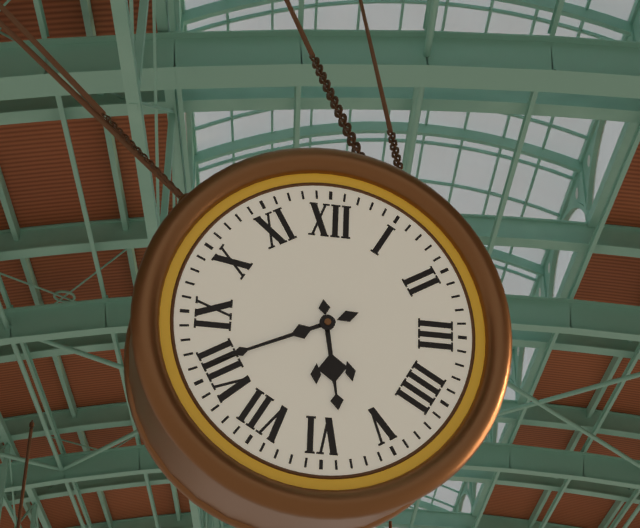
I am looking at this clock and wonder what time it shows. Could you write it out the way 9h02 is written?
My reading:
5h41
